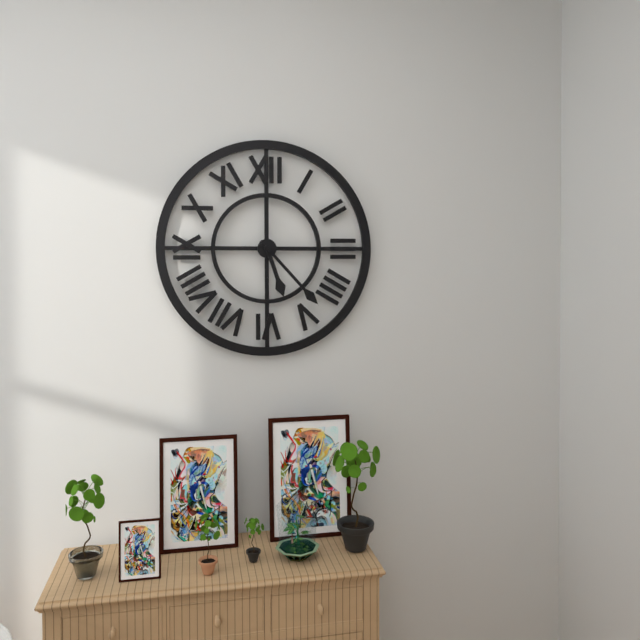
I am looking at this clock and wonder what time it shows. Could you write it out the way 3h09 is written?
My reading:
5h23
